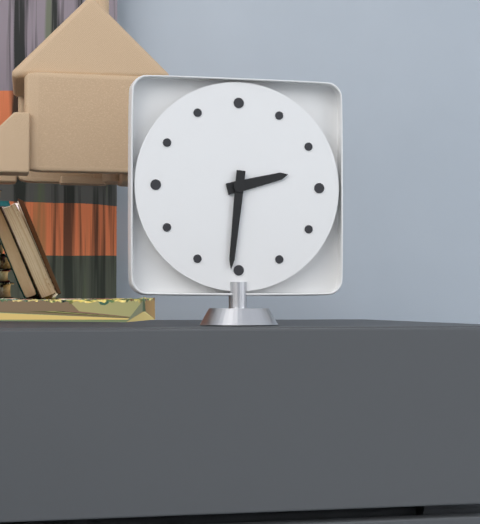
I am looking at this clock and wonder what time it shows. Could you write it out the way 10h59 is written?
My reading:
2h31
